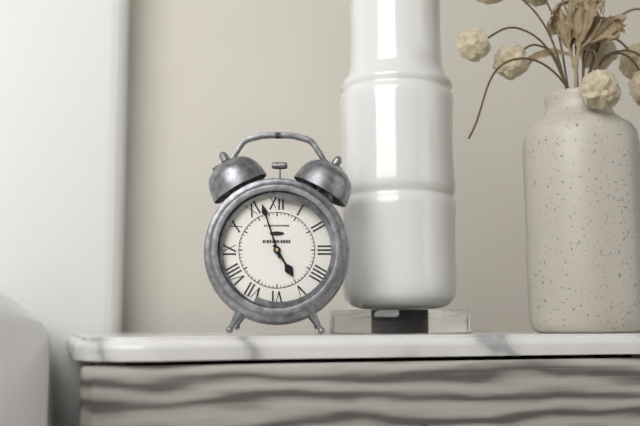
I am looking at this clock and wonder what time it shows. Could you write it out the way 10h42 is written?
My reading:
4h57
